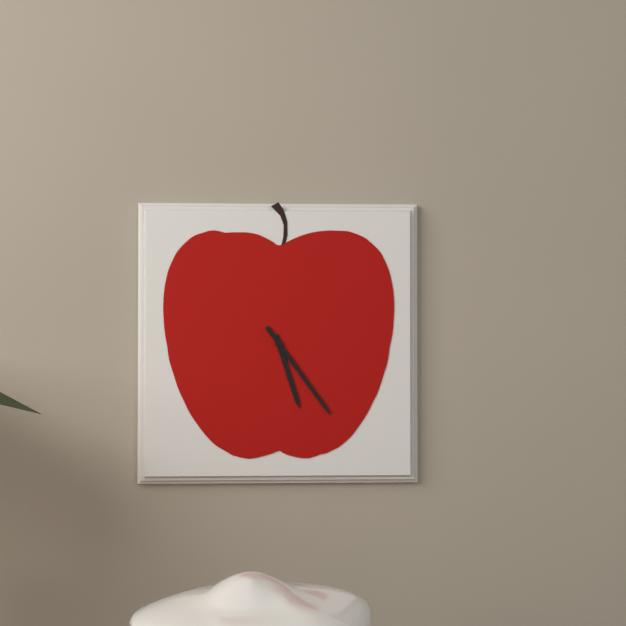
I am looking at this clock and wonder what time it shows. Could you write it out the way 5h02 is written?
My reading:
5h24
